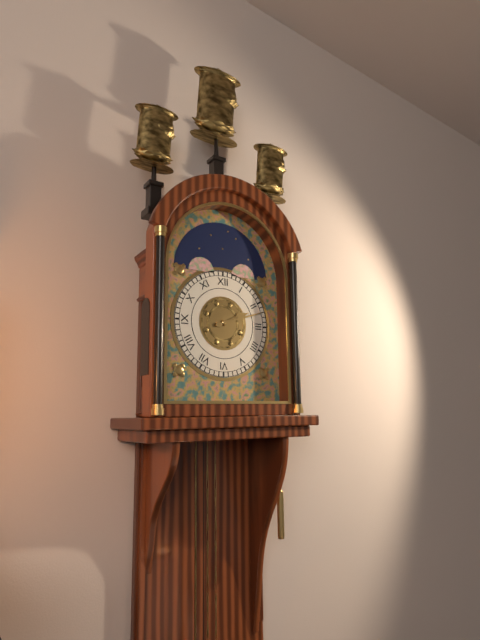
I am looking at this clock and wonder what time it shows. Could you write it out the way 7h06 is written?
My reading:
2h12
